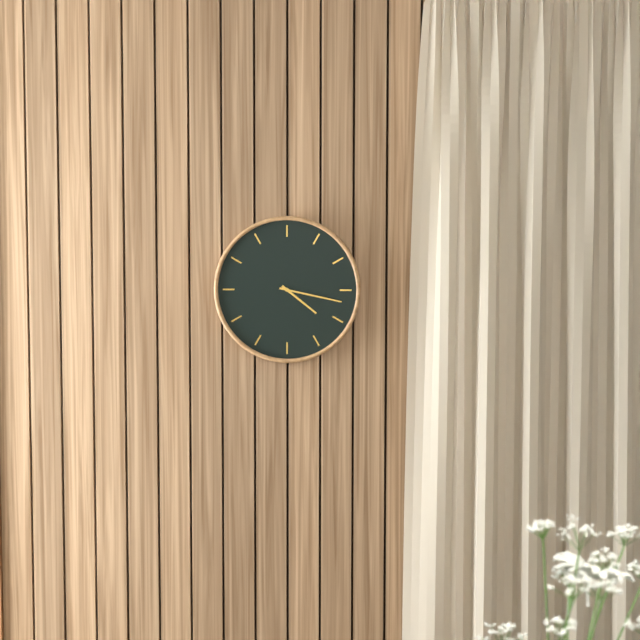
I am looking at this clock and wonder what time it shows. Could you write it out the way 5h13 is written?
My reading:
4h17
